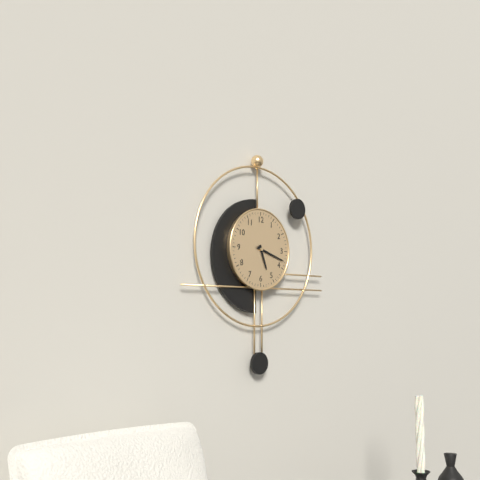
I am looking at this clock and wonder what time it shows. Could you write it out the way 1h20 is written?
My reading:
5h18
